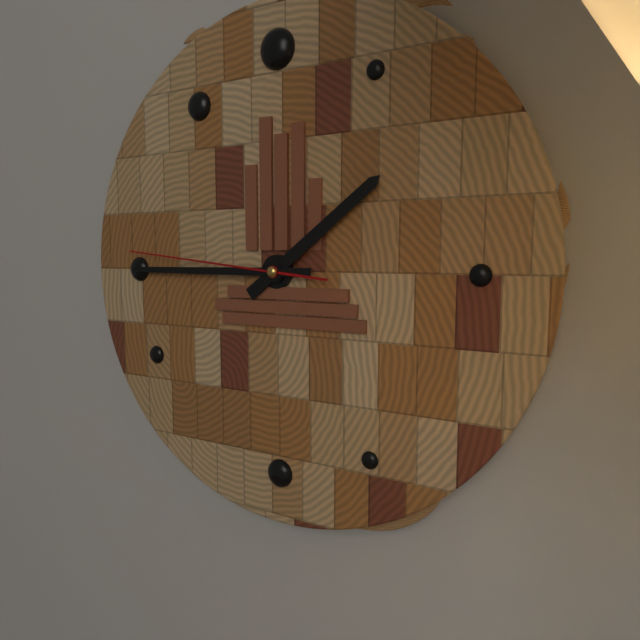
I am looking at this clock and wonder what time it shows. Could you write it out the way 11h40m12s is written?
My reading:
1h45m46s
